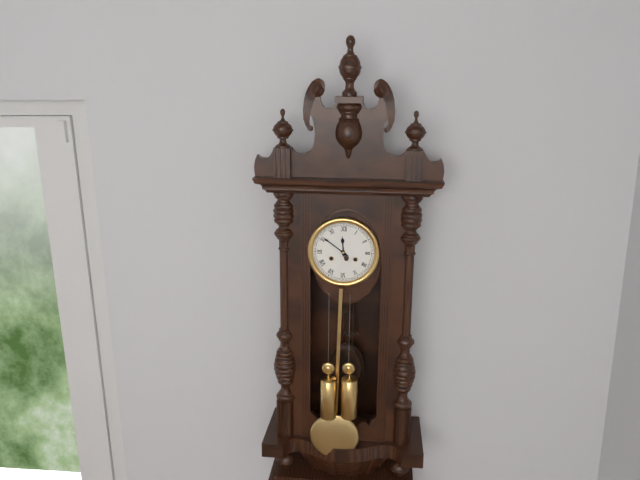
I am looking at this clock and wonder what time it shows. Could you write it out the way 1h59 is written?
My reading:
11h51
